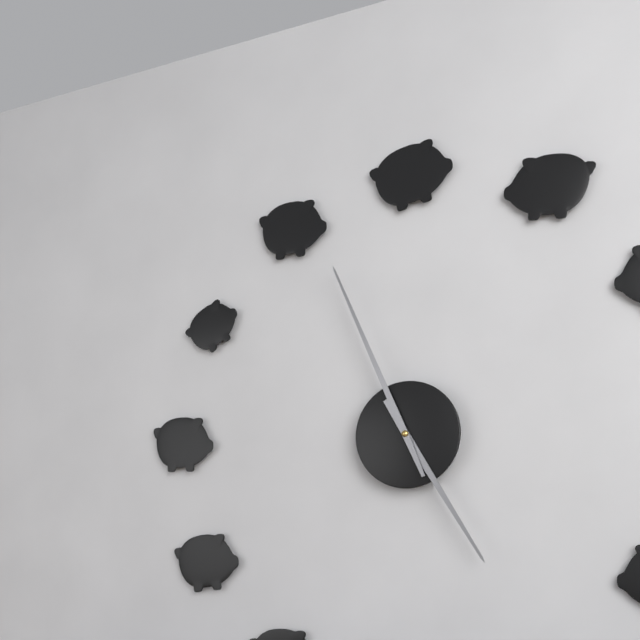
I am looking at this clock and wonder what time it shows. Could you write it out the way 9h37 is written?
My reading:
4h56
